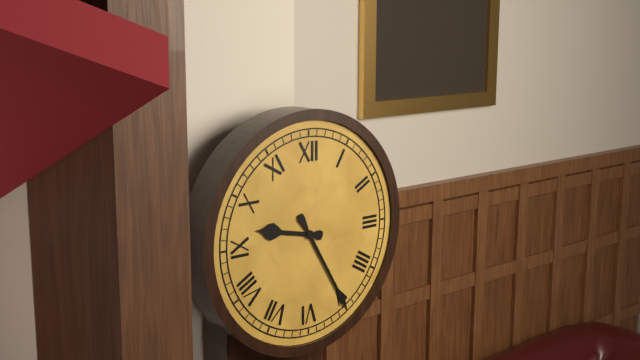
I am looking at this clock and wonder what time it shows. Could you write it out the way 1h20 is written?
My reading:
9h25
